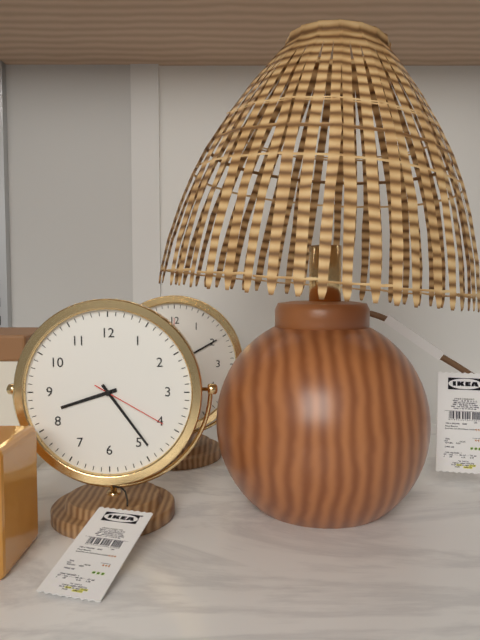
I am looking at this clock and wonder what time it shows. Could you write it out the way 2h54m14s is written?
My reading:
8h24m20s
